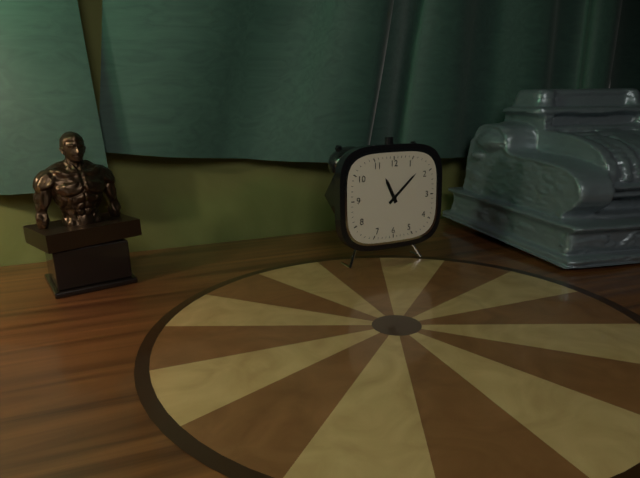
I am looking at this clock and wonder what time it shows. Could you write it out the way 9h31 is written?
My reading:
11h08
